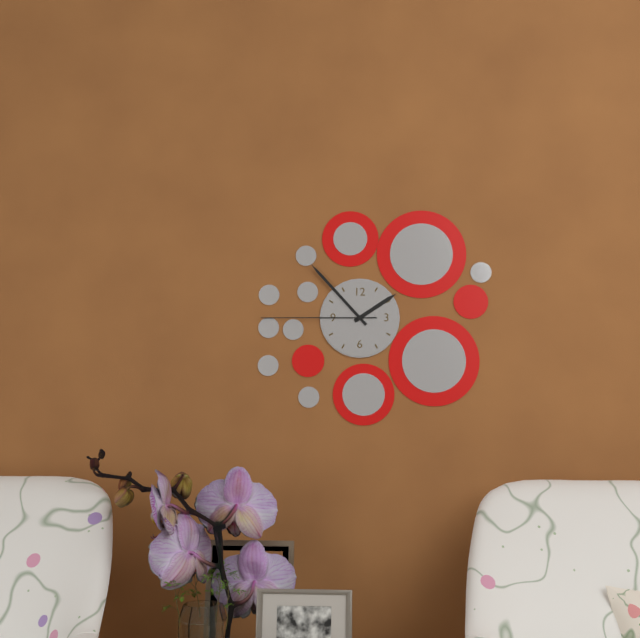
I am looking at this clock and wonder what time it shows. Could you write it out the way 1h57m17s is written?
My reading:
1h53m45s
